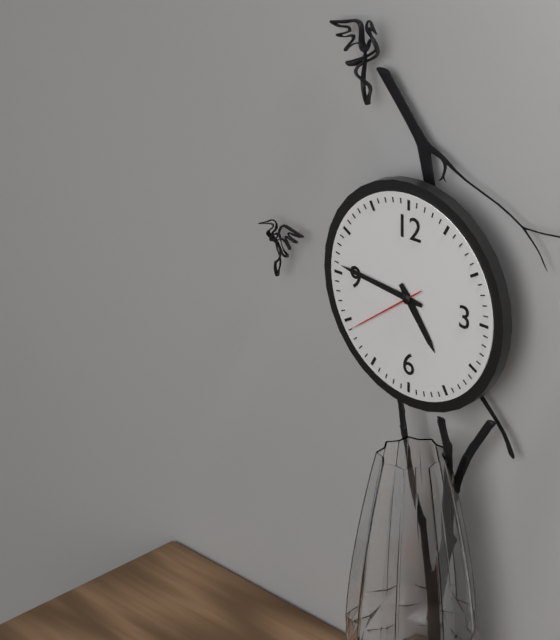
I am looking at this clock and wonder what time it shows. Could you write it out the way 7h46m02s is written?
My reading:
4h46m39s
